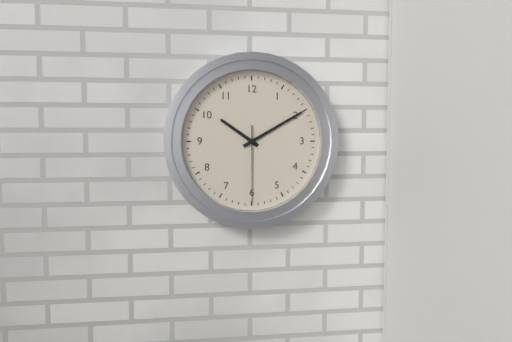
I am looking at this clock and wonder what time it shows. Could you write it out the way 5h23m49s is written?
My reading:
10h10m30s
